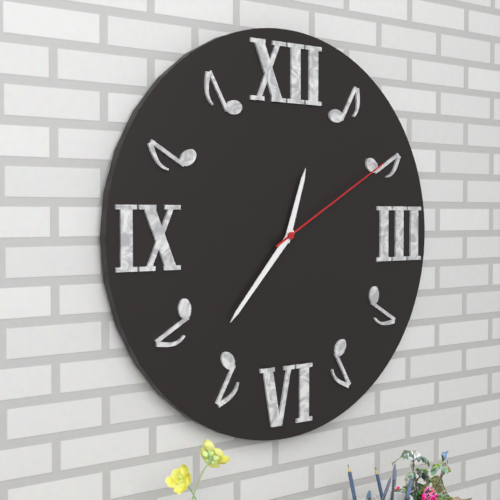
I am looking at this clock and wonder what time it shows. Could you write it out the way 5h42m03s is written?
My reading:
12h37m10s
